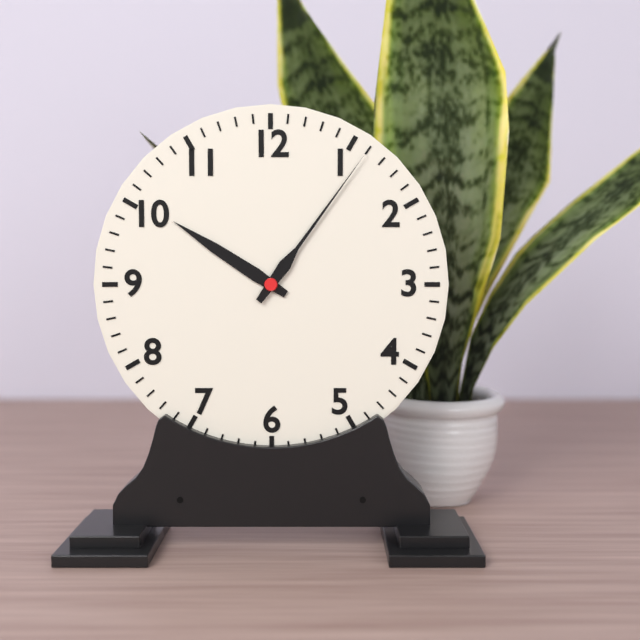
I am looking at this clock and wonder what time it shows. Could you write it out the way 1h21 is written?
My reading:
10h06
